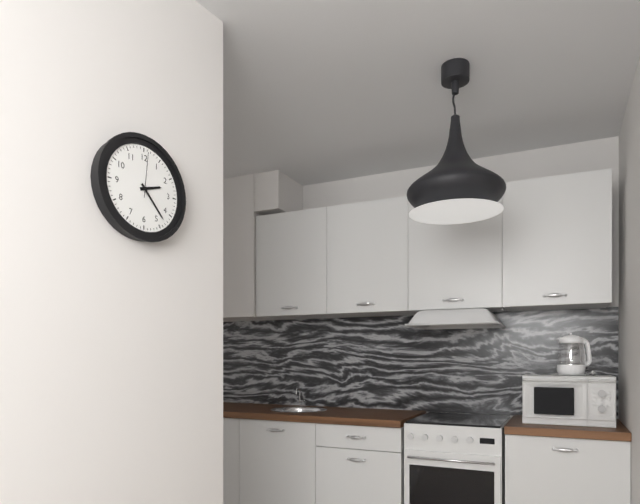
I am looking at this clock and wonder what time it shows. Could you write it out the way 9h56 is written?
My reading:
2h23
